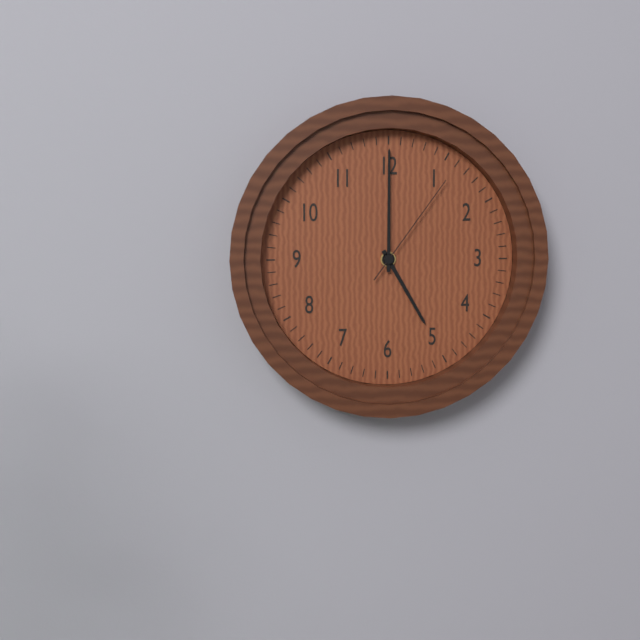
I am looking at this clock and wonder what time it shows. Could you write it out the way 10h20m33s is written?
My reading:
5h00m06s
